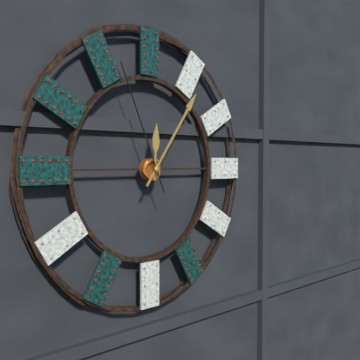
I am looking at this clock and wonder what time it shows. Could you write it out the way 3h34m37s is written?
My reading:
12h06m56s
